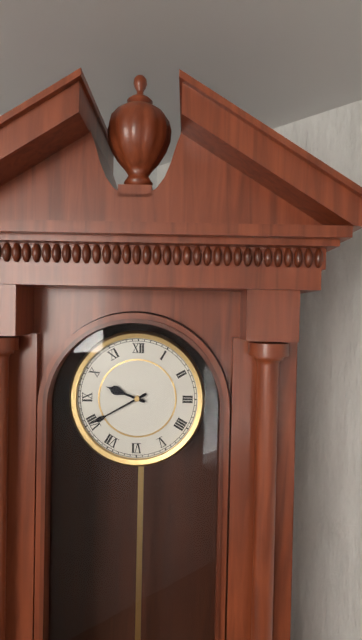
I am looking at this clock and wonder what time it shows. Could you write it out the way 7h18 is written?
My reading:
9h40
